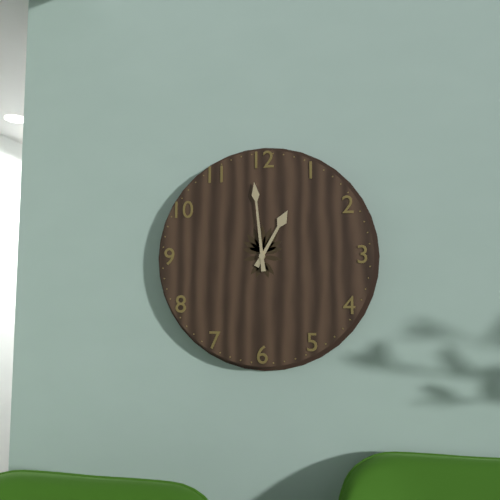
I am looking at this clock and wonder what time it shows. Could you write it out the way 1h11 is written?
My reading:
12h59
